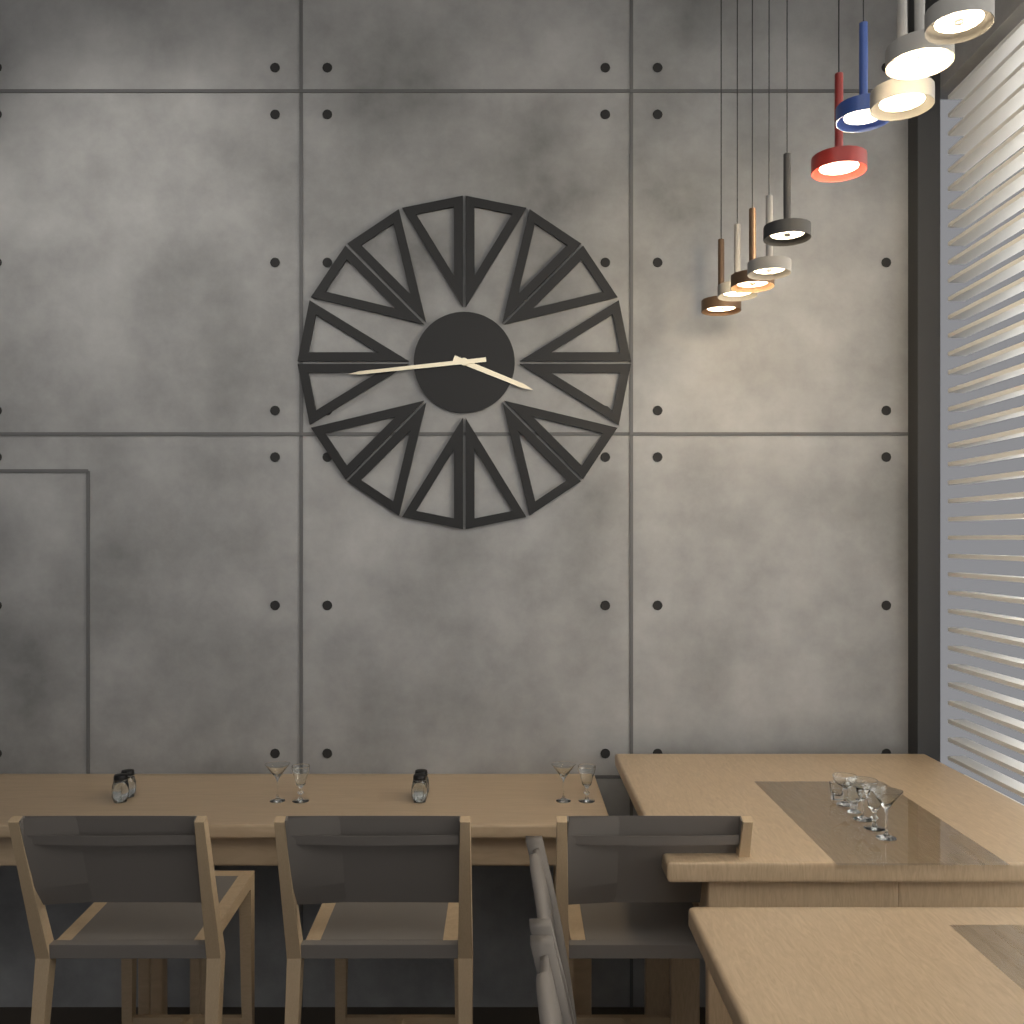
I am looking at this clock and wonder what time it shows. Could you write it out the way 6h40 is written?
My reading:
3h44
